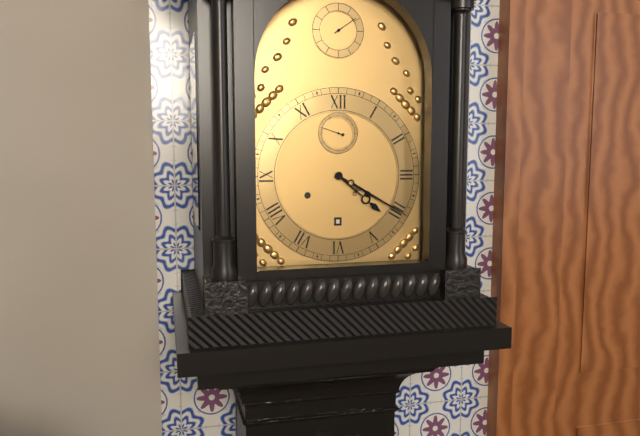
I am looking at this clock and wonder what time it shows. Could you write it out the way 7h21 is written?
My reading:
4h20
